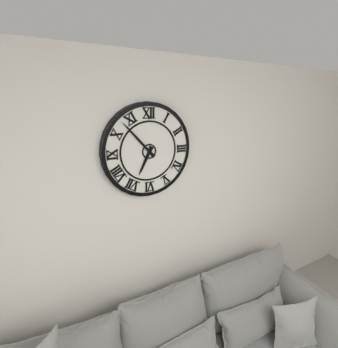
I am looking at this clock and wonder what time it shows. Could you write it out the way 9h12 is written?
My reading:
6h53
